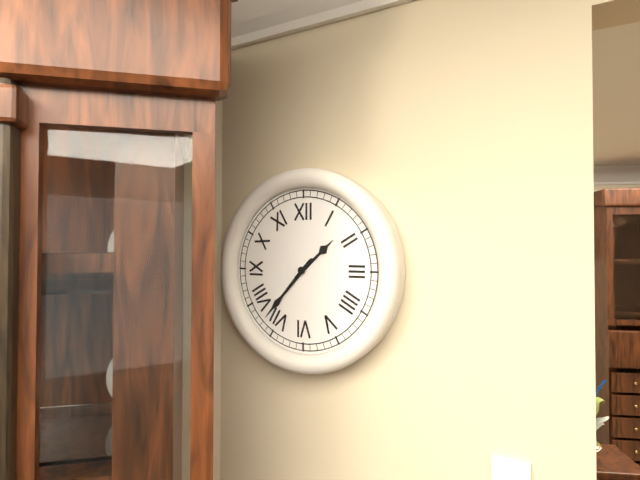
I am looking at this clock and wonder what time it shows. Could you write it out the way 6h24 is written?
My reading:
1h37
